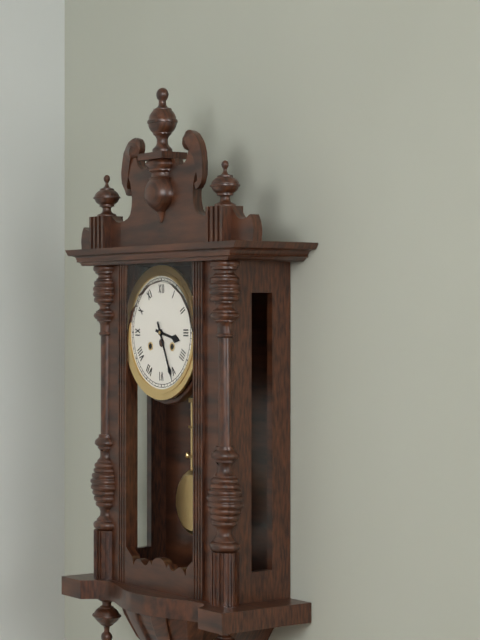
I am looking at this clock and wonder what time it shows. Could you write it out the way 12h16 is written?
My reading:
3h26
